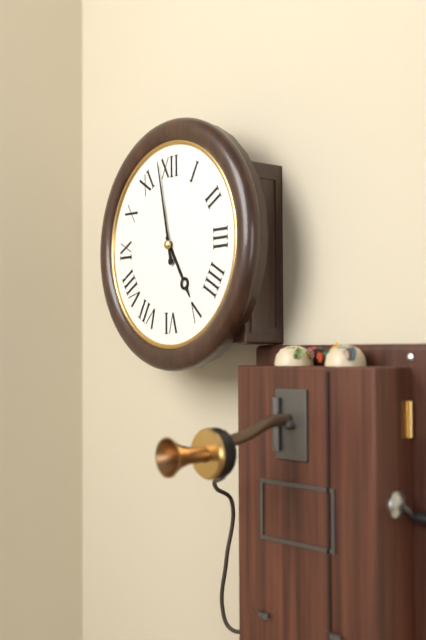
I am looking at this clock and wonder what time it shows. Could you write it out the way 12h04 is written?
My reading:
4h58
